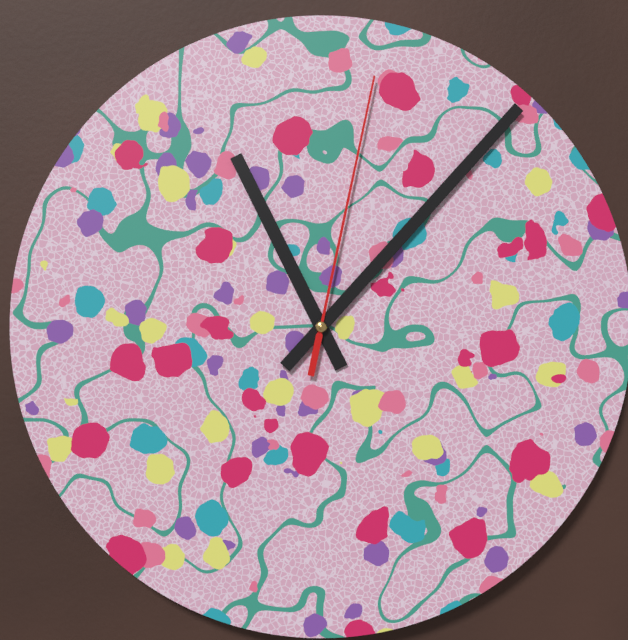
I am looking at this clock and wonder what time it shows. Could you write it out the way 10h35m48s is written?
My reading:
11h07m02s
